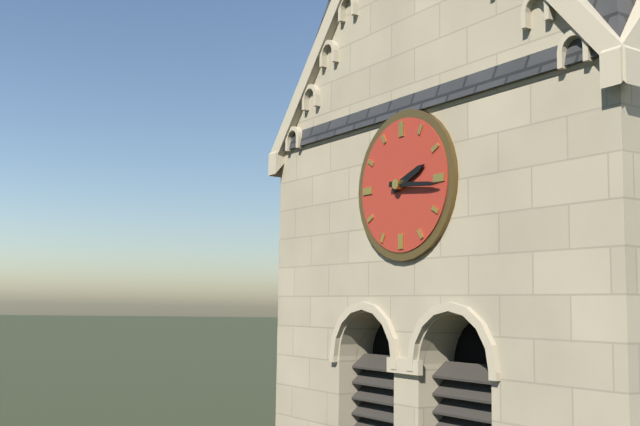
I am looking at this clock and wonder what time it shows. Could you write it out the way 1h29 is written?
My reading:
2h16
